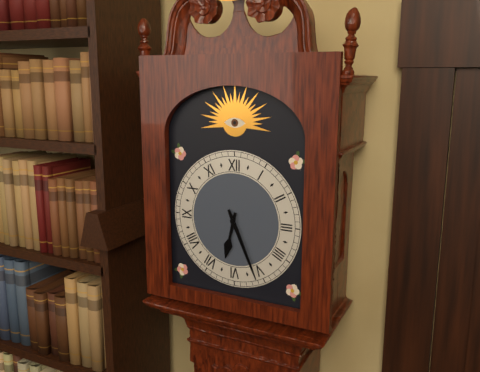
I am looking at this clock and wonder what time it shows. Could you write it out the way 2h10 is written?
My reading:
6h26
